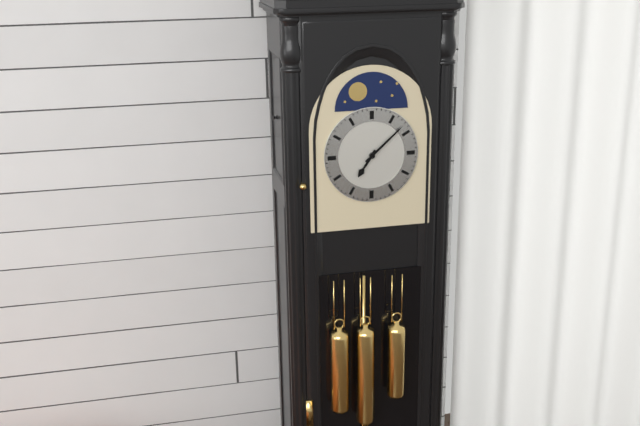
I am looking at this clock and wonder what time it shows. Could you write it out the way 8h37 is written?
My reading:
7h08
